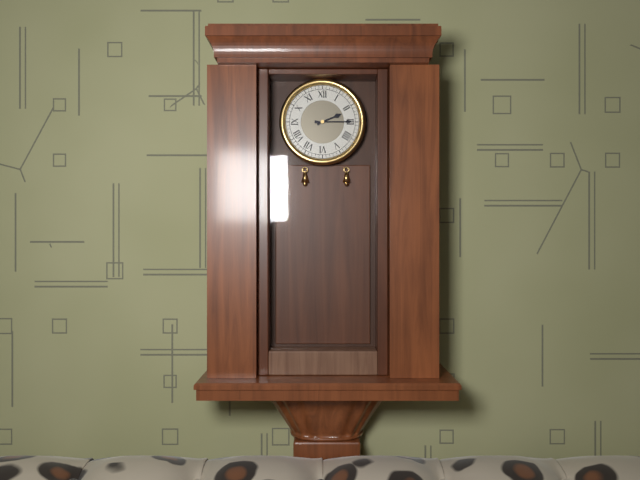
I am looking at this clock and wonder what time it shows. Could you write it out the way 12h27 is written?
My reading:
2h15
